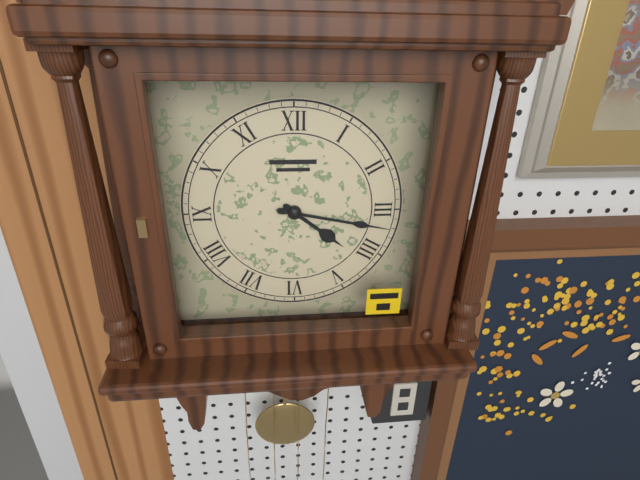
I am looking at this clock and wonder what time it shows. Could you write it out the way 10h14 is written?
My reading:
4h17
